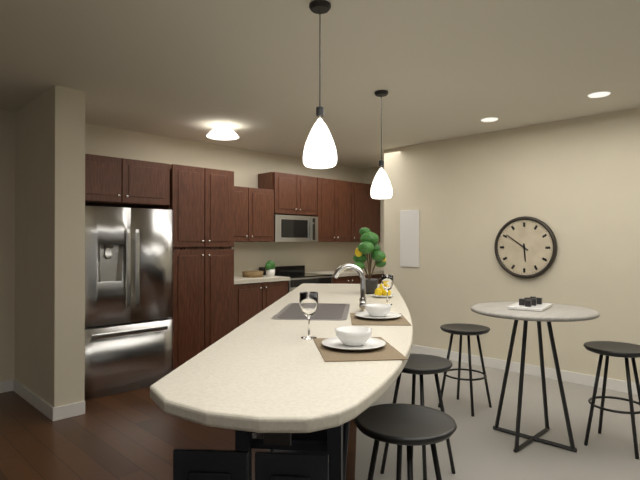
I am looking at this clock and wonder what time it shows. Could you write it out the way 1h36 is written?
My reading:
5h51
